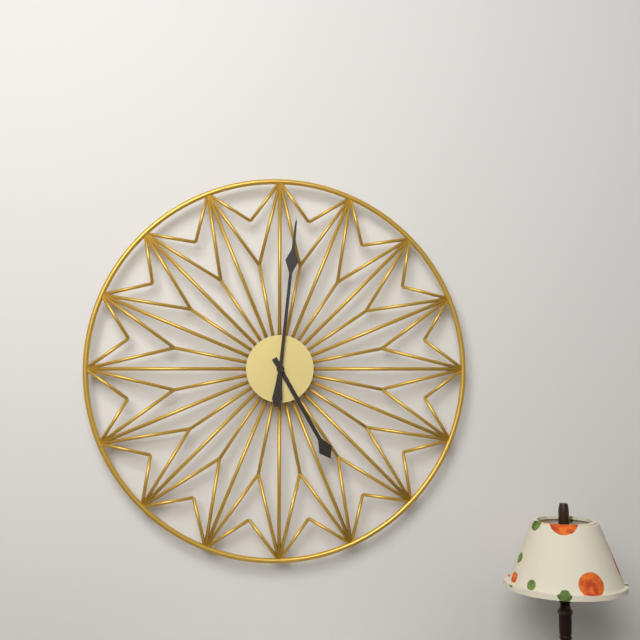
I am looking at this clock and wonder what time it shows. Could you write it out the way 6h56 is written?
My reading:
5h01
